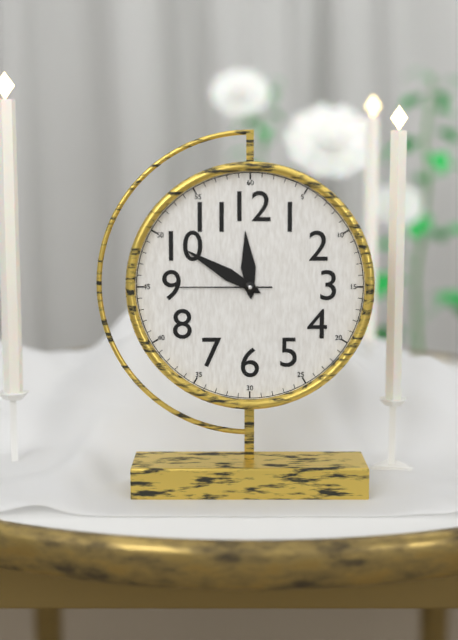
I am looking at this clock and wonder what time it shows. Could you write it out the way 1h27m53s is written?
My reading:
11h50m45s
